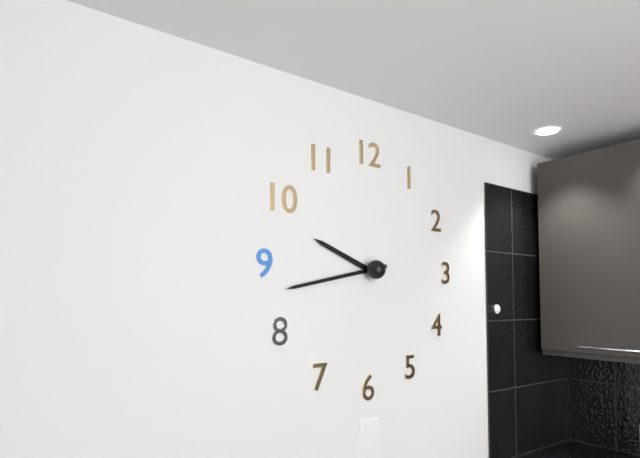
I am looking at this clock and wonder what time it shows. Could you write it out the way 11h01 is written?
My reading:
9h43
